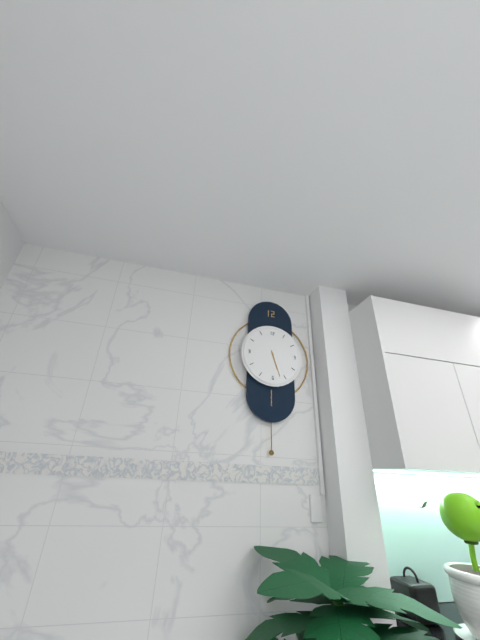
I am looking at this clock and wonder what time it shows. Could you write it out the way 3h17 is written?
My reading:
5h27
